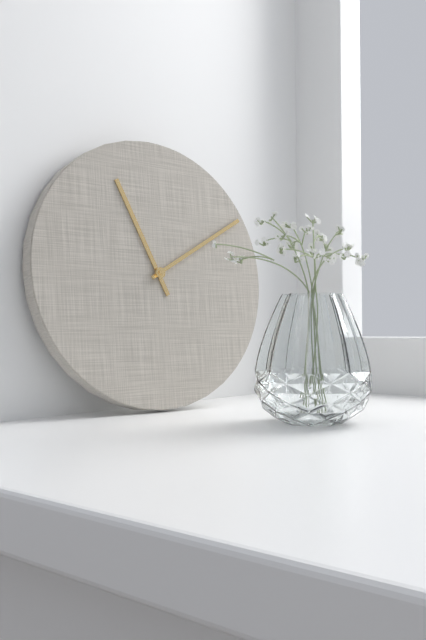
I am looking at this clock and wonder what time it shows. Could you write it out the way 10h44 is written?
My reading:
11h10
